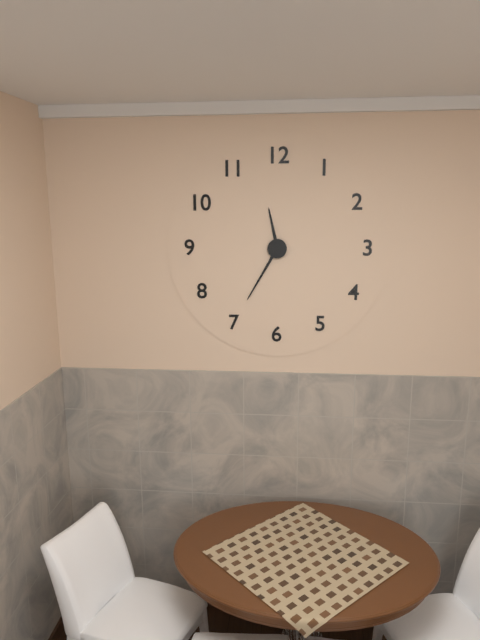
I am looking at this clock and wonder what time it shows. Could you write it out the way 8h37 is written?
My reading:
11h35
